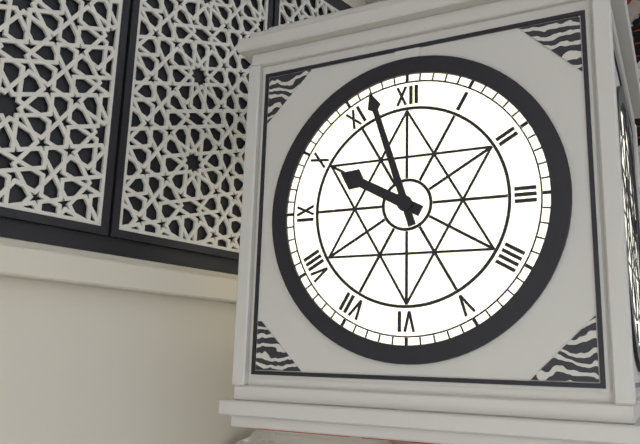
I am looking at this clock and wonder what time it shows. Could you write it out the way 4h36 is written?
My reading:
9h57
